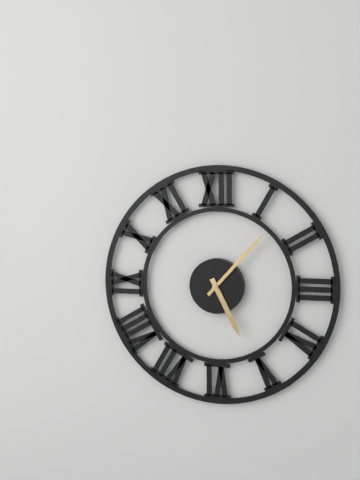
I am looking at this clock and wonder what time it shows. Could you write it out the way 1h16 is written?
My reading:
5h07
